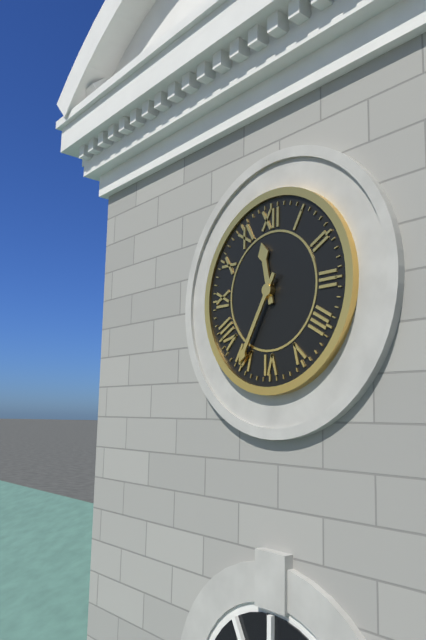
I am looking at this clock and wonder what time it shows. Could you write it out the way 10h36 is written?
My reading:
11h35
